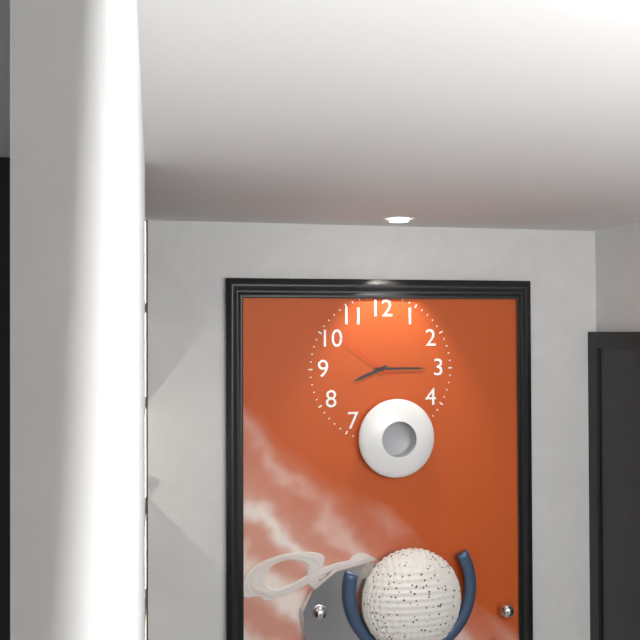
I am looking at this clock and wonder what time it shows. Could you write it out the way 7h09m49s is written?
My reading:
8h15m51s
